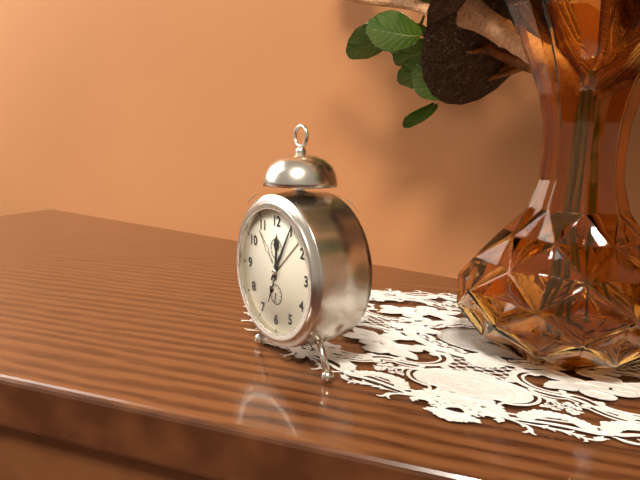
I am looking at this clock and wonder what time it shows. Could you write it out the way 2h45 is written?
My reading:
12h05
